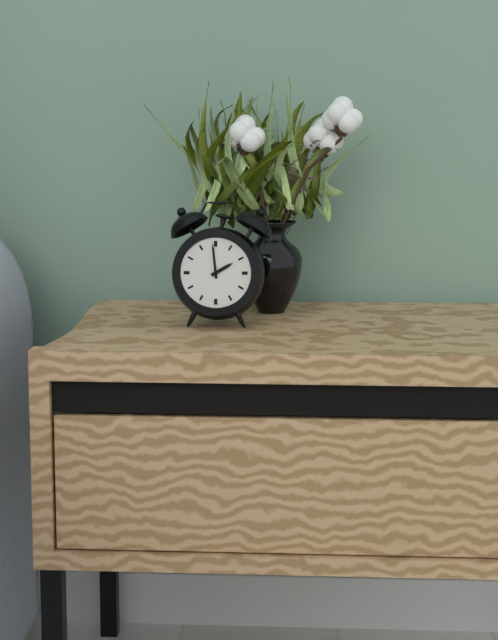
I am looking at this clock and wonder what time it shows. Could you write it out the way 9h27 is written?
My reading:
1h59
